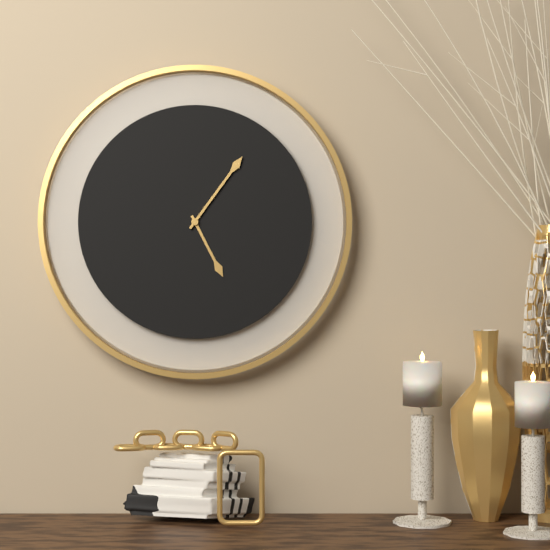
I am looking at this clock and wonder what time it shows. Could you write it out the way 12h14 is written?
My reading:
5h06
